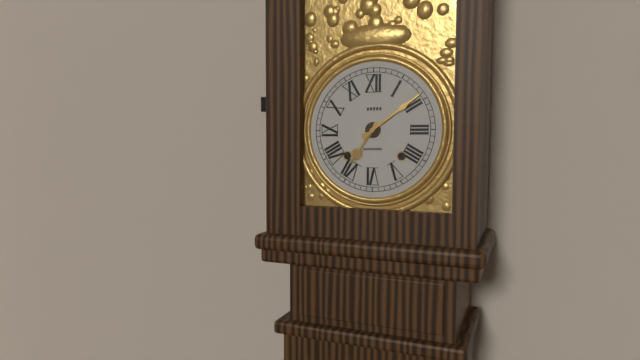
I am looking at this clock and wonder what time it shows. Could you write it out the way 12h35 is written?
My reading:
7h09
